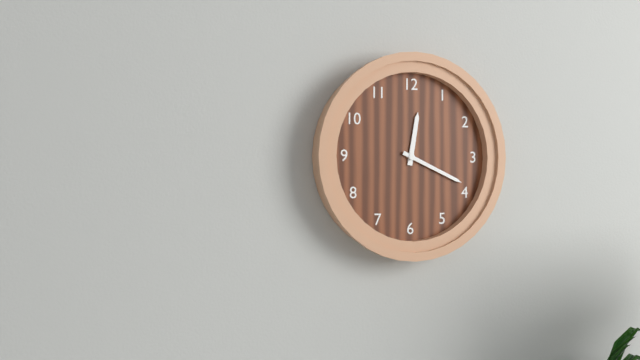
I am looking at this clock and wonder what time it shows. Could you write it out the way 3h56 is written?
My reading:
12h19
